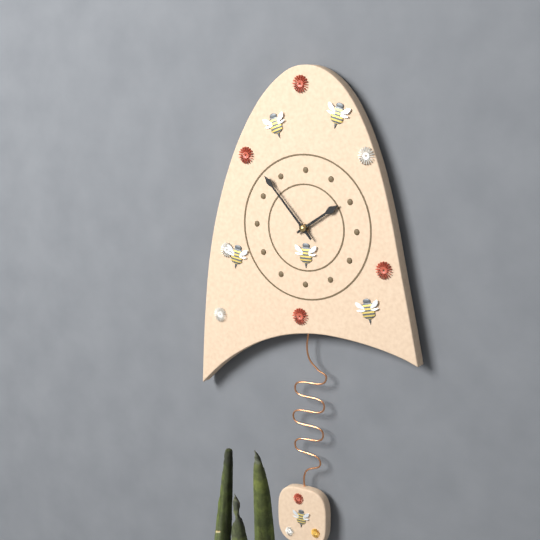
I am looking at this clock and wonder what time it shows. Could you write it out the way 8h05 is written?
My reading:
1h53
